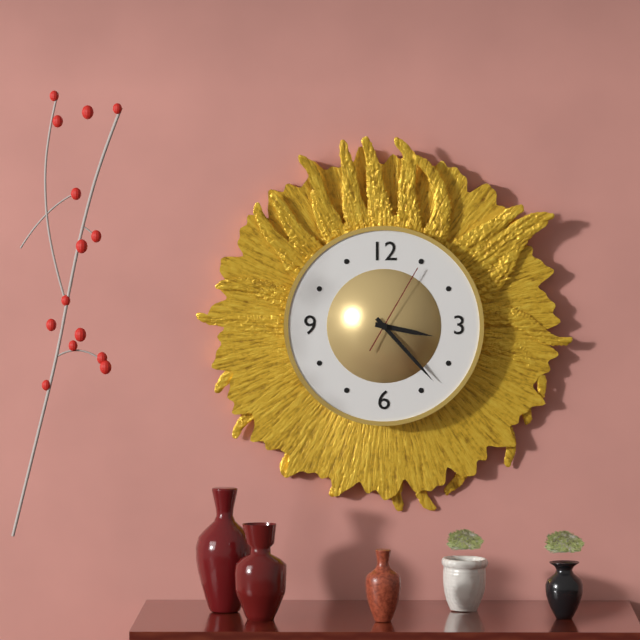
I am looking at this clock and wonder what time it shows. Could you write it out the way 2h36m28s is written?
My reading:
3h23m05s
